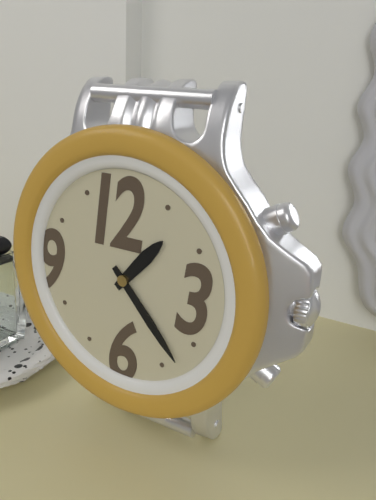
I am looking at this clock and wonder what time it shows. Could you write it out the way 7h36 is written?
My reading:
1h23
